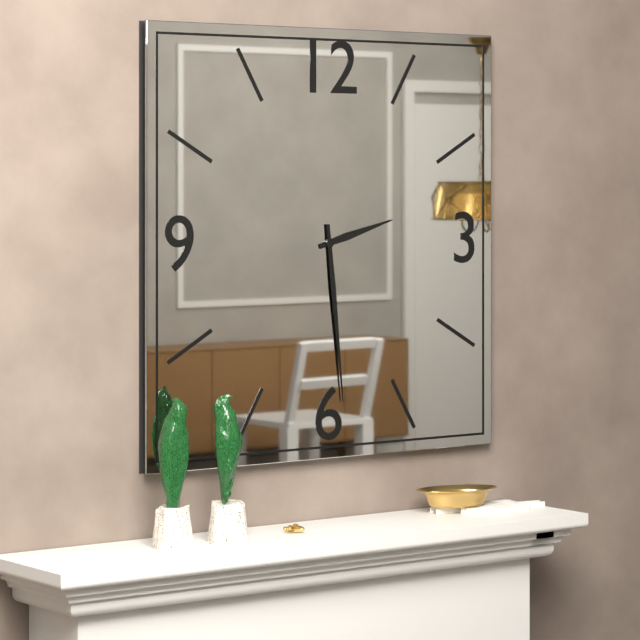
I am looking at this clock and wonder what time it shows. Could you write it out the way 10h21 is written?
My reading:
2h29
